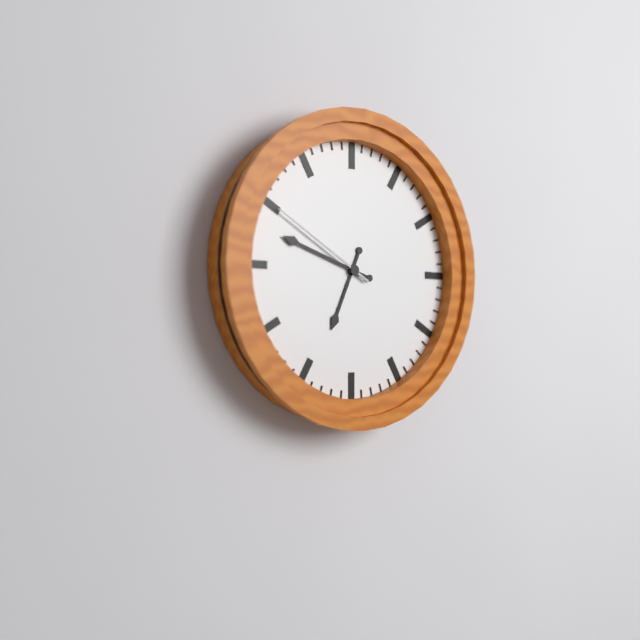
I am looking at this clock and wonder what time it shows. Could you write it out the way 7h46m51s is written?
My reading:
6h48m50s
